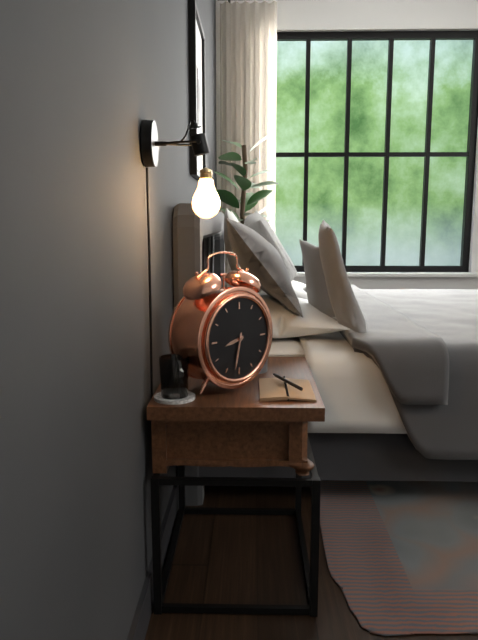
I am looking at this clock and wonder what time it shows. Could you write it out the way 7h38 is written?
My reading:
8h32
